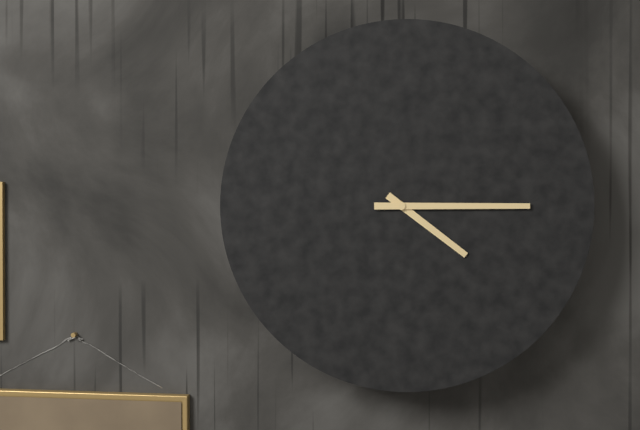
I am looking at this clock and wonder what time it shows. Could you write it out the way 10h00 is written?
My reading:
4h15
